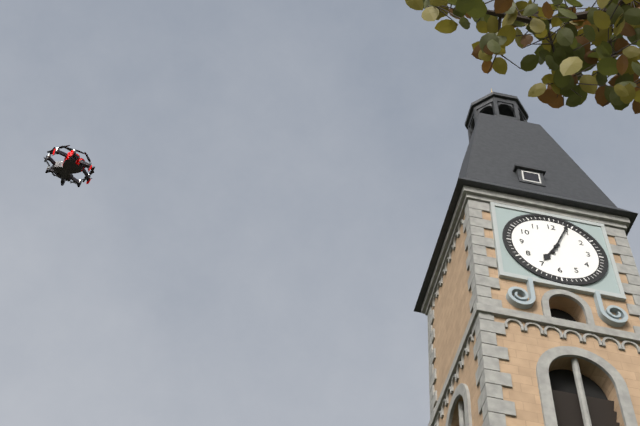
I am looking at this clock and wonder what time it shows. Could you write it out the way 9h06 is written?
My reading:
7h04
